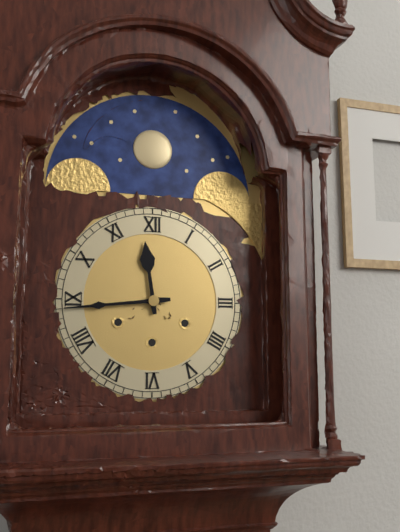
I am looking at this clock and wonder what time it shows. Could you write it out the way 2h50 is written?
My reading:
11h44
